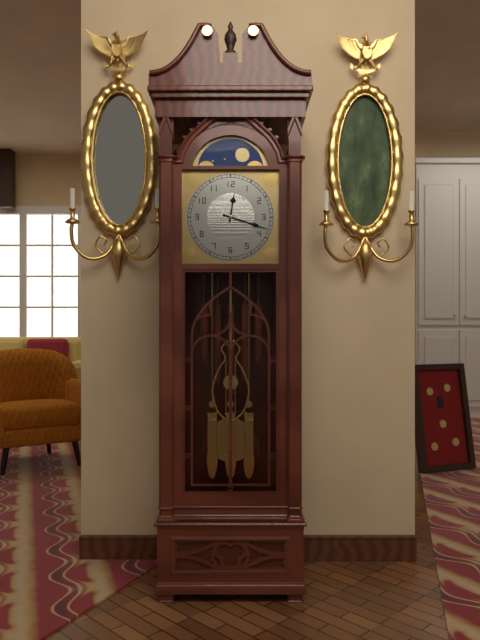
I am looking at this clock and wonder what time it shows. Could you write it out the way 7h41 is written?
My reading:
12h18
